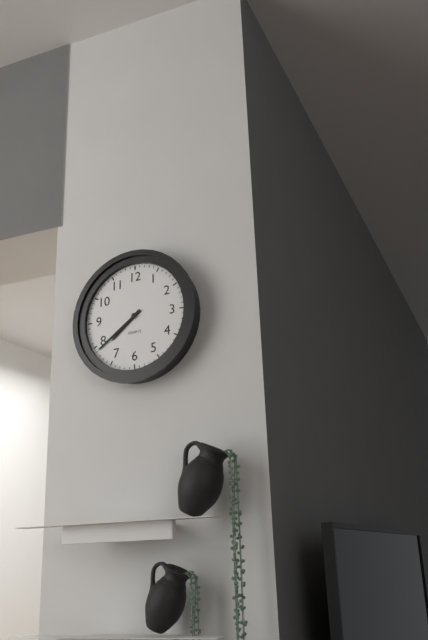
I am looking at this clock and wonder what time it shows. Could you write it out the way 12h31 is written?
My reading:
7h39
